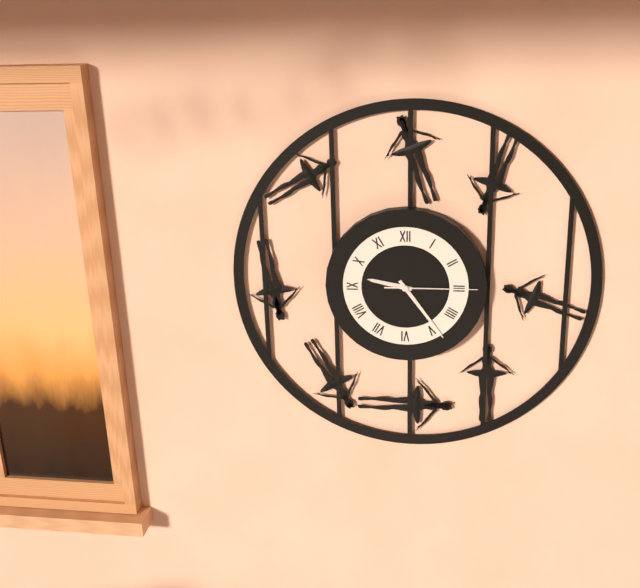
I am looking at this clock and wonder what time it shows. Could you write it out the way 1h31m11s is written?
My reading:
9h24m15s
